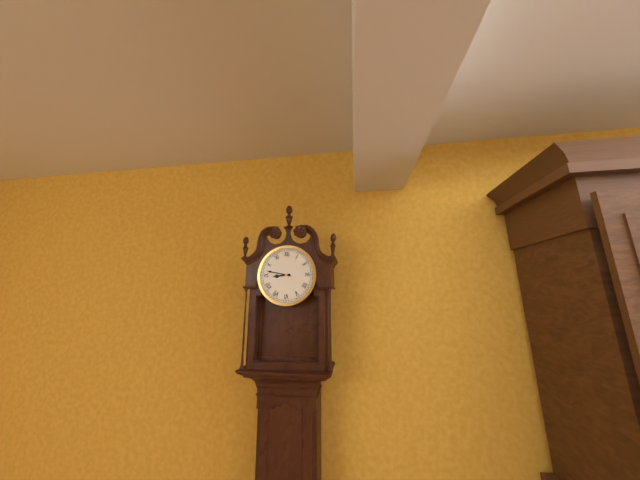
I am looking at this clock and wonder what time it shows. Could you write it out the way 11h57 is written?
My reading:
8h47
